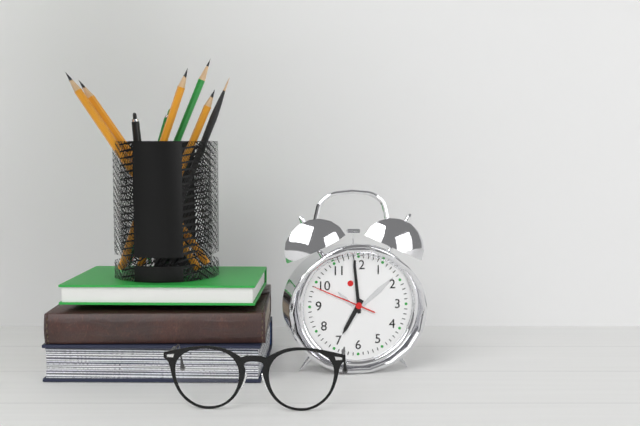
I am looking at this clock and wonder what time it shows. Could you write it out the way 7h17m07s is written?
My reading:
6h59m49s
